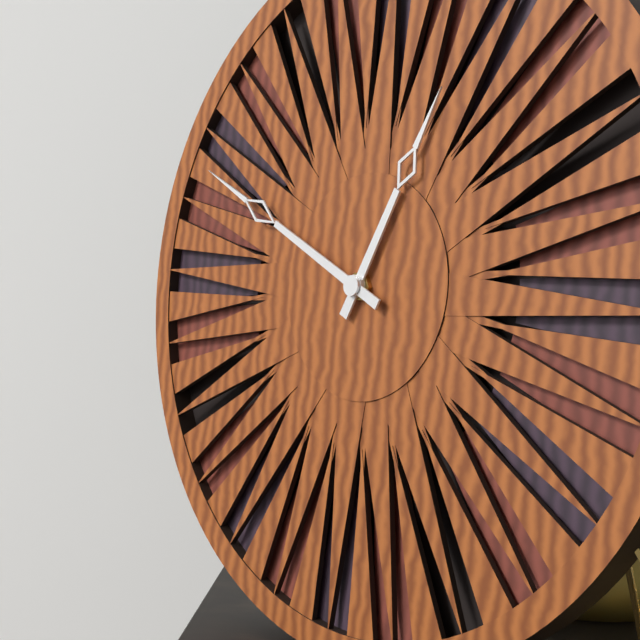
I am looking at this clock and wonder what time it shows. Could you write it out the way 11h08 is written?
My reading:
12h49
